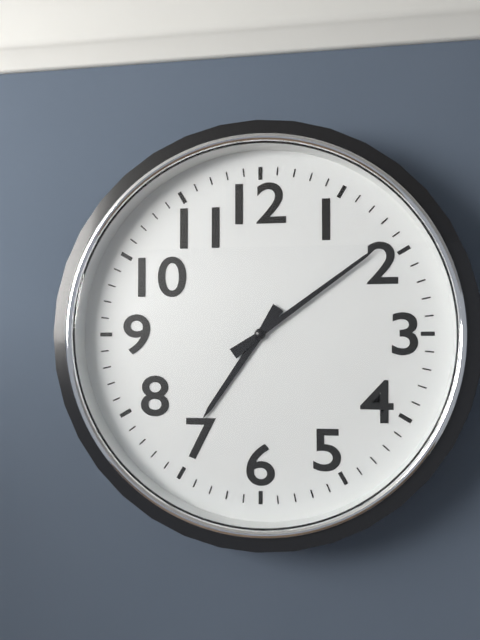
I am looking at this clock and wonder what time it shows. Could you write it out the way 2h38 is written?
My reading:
7h09
